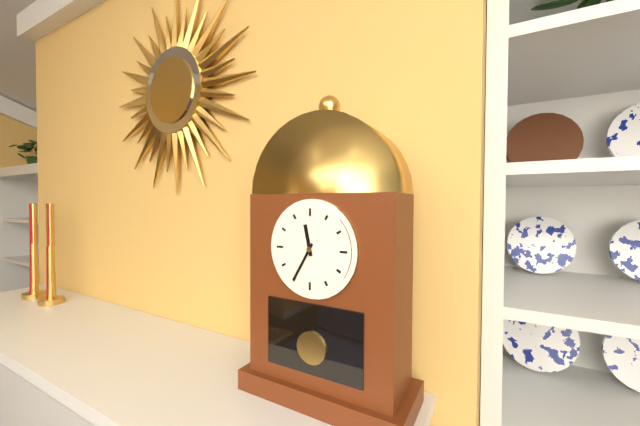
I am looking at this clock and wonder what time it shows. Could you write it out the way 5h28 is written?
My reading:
11h35
